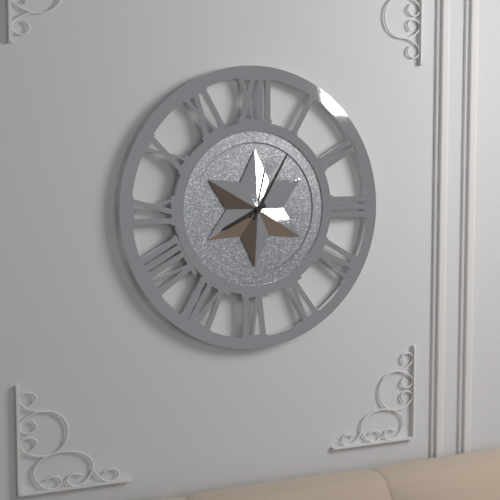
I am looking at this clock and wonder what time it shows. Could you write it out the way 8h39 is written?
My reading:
8h05
